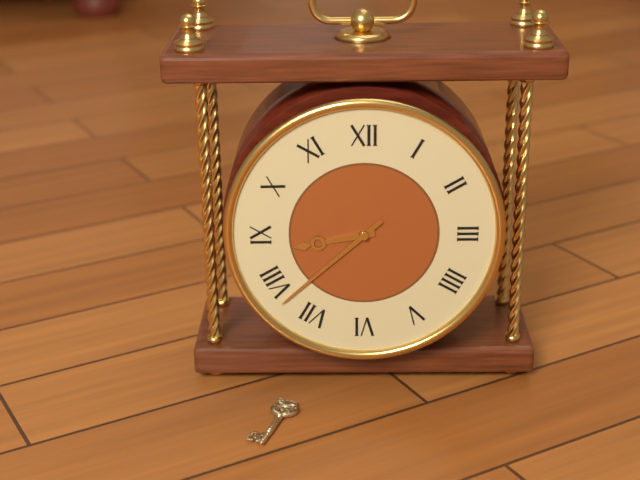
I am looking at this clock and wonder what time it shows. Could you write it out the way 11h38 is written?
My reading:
8h38
